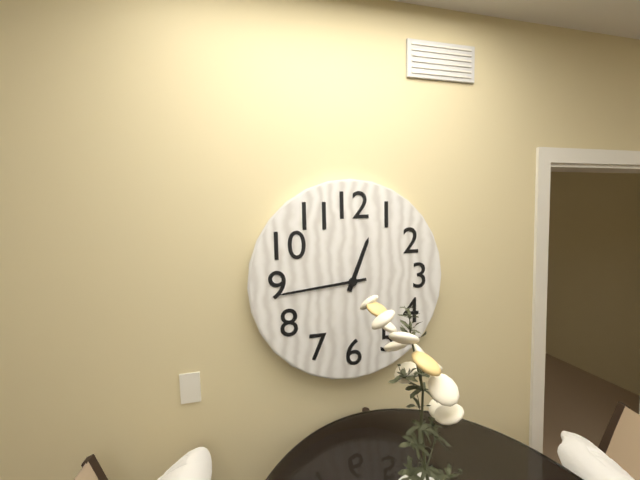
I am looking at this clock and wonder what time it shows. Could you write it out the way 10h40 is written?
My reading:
12h44
